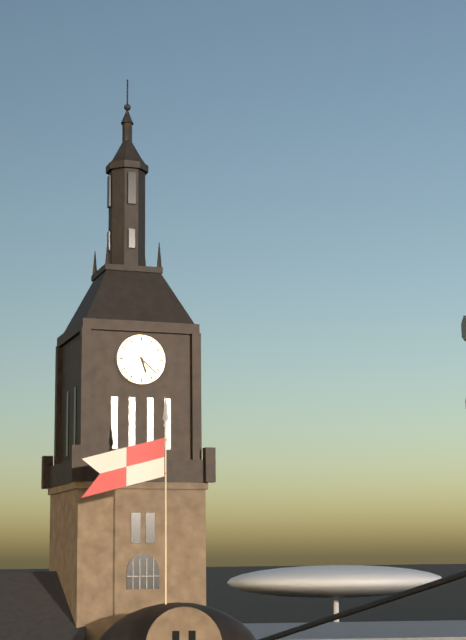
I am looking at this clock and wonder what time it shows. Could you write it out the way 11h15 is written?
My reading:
5h22
